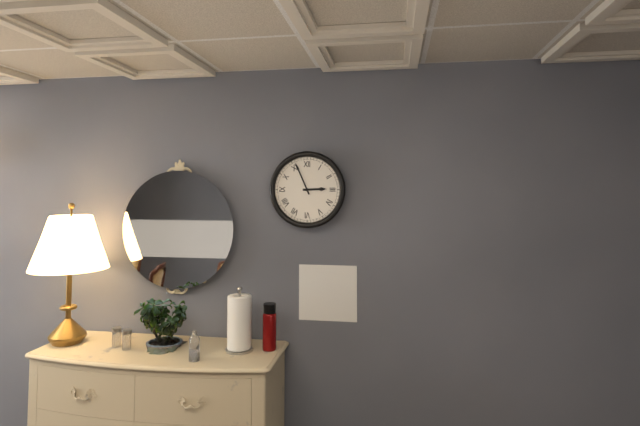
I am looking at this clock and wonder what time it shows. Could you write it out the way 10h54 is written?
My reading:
2h56
